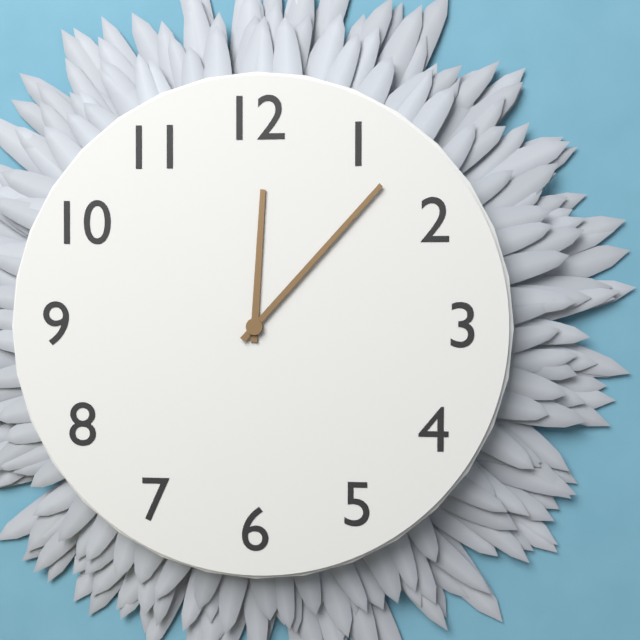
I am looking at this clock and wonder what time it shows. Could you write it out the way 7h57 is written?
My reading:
12h07
